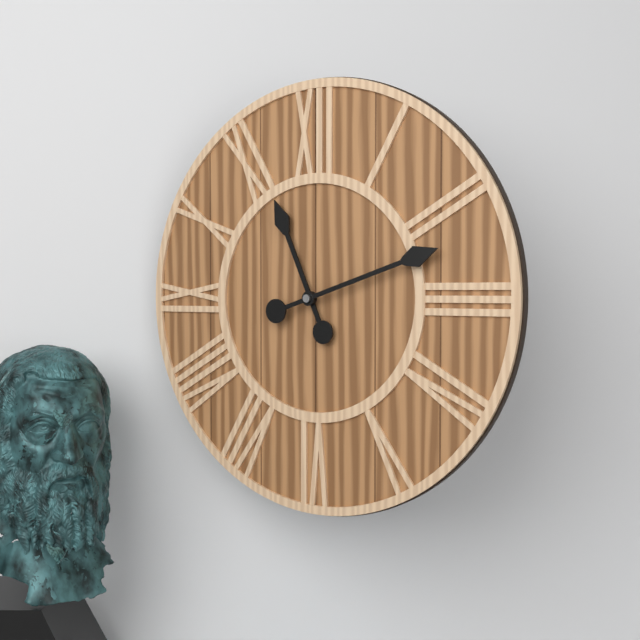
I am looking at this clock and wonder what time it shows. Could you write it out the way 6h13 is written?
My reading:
11h12
